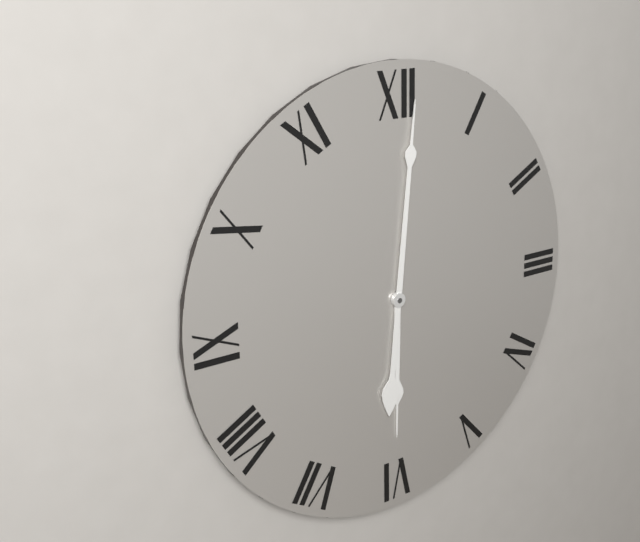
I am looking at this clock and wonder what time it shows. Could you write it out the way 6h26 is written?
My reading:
6h01
